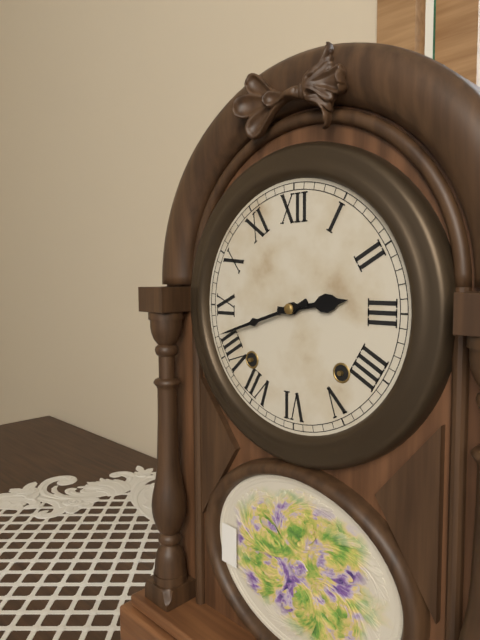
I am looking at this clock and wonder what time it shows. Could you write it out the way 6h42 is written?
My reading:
2h42
